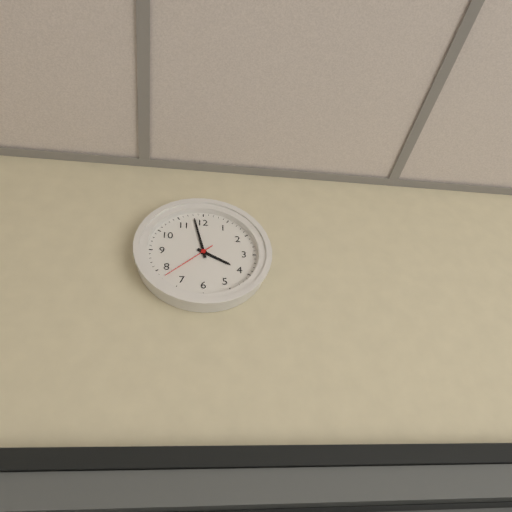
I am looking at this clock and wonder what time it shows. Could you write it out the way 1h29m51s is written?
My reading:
3h58m38s
